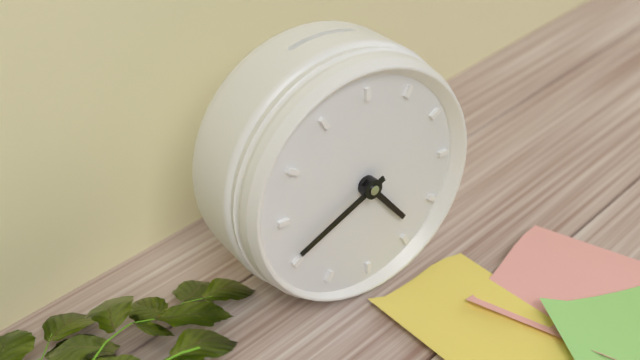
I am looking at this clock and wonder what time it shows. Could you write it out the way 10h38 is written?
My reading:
4h41
